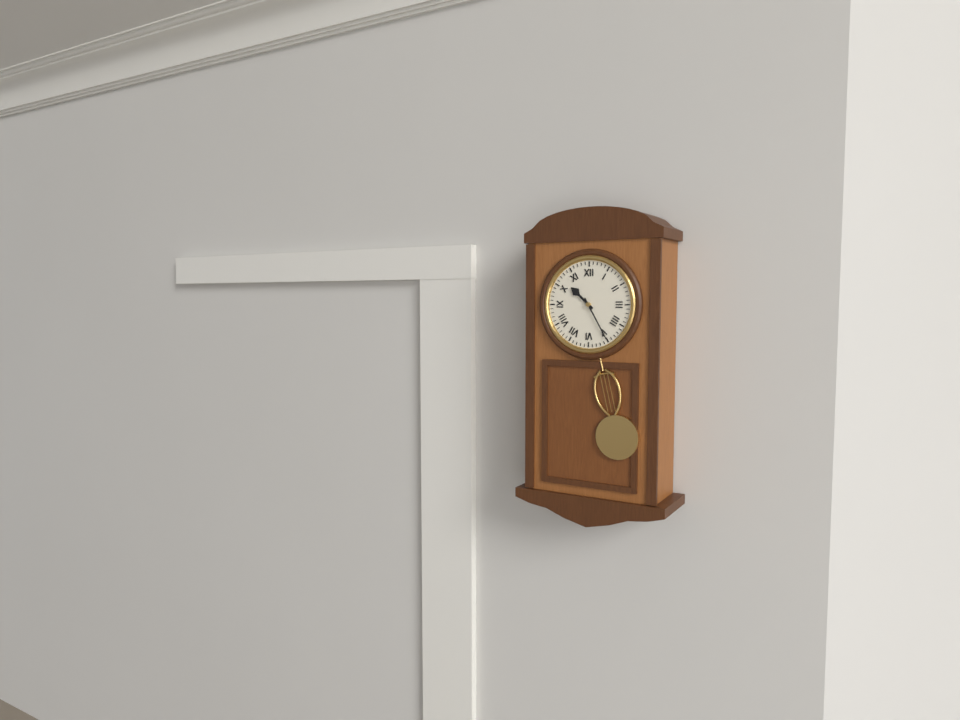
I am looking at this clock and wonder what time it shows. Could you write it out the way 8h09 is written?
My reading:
10h25
